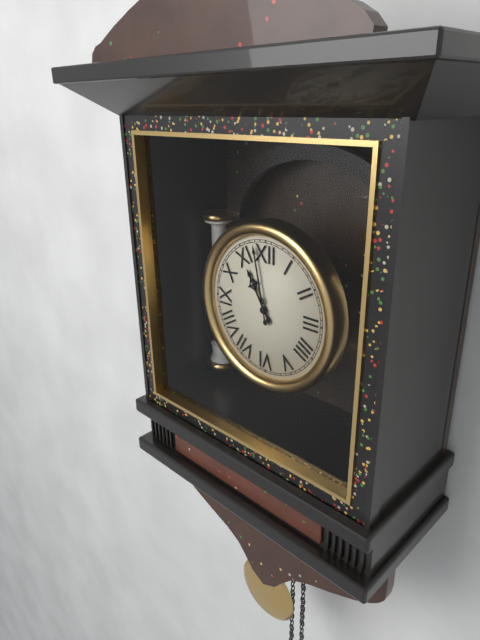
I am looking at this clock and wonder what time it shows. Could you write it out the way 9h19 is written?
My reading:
10h58
